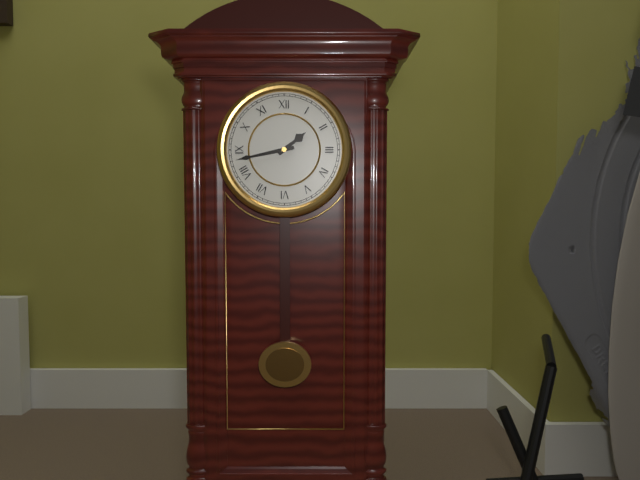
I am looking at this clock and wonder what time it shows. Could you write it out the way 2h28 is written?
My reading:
1h43
